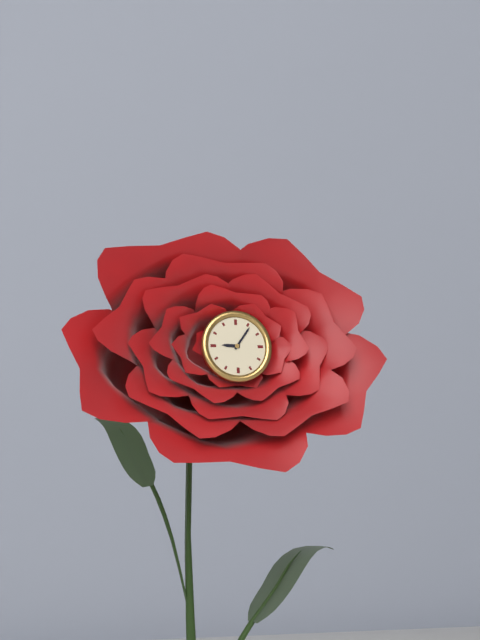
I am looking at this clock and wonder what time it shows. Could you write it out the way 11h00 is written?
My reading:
9h06
